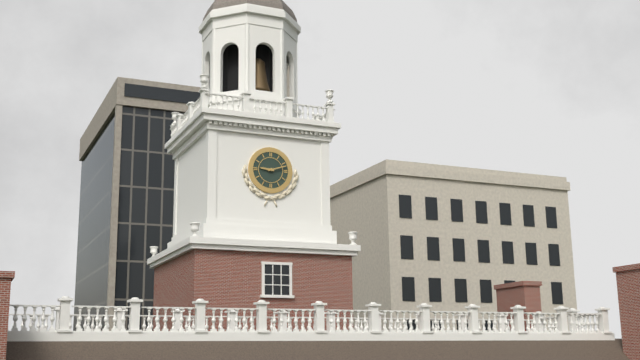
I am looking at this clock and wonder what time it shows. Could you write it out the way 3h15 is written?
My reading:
9h12
